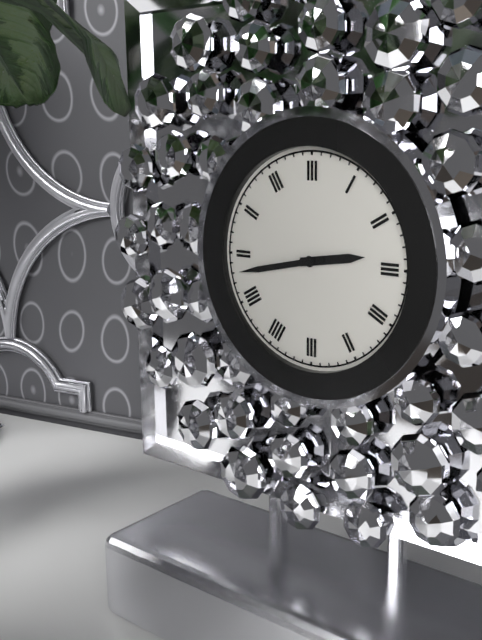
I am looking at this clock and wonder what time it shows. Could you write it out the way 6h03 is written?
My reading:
2h43
